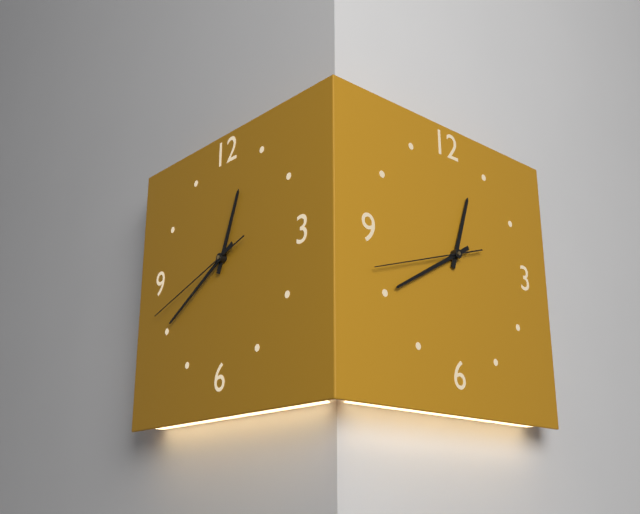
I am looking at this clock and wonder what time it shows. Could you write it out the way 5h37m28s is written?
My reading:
12h40m42s
